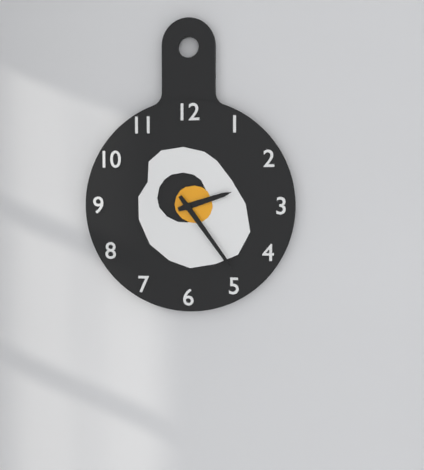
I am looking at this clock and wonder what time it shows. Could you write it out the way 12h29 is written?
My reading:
2h24
